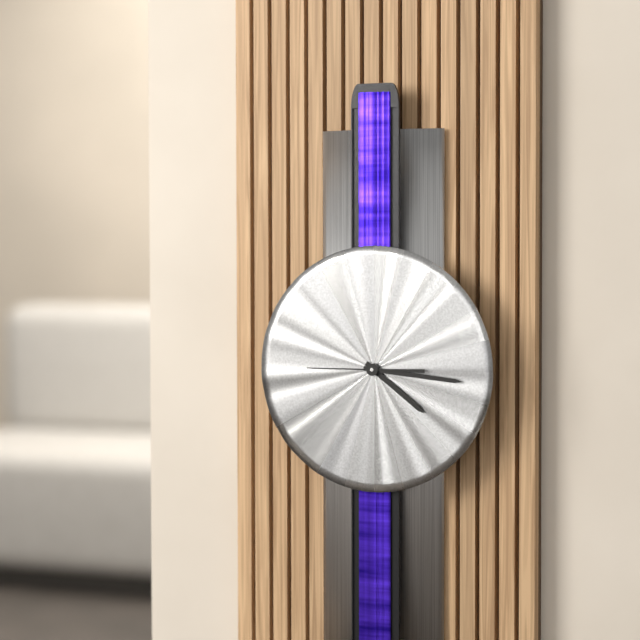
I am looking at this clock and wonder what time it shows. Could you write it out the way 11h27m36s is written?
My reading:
4h16m45s
